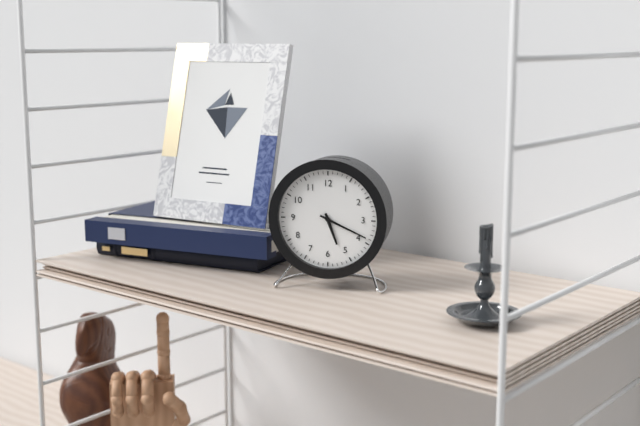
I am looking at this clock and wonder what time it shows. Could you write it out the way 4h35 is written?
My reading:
5h19
